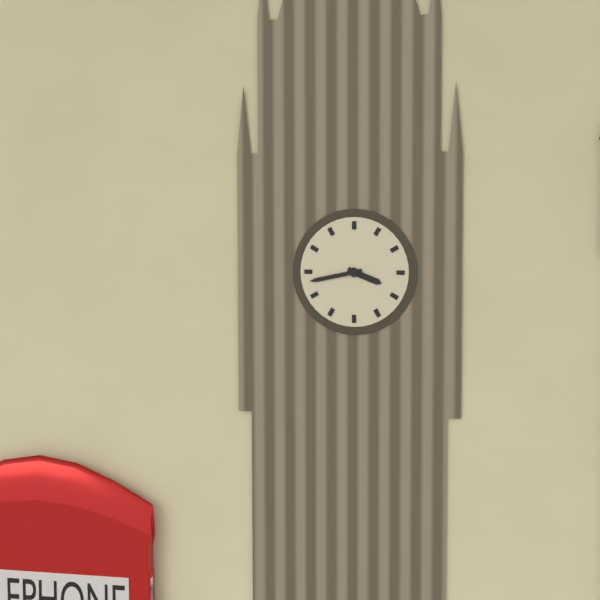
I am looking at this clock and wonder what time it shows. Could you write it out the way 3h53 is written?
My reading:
3h43
